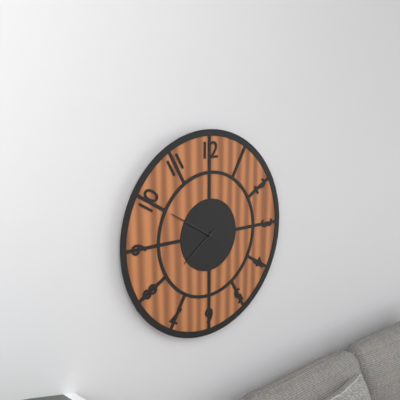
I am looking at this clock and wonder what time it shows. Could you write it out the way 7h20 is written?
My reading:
7h50
